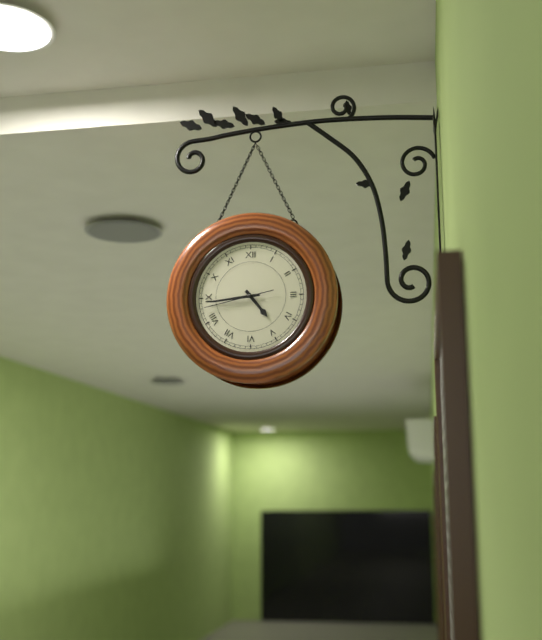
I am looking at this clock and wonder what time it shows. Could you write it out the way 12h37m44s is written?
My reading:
4h44m43s
